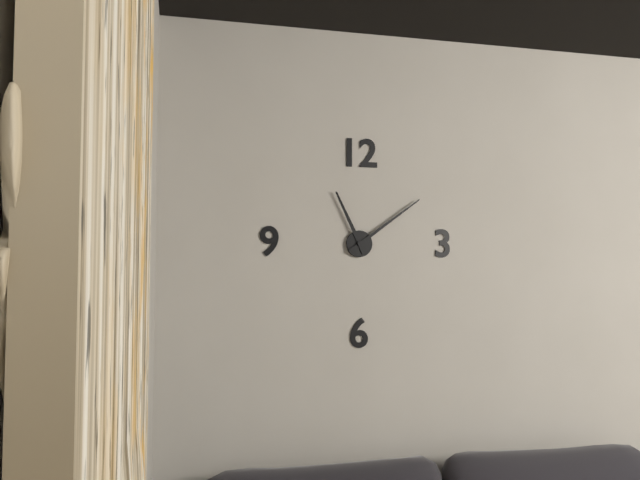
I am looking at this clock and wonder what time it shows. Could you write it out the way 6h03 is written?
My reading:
11h09
